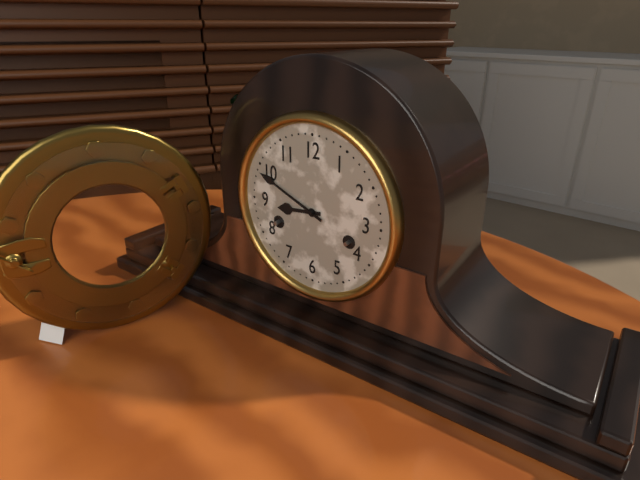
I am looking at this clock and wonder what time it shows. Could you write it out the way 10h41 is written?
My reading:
8h49
